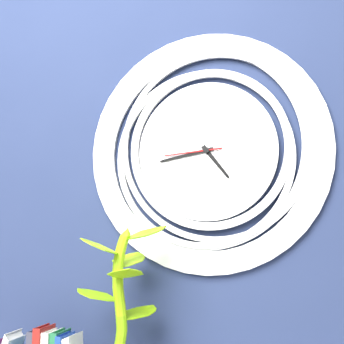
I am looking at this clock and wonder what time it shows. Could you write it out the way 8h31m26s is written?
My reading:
4h43m44s
